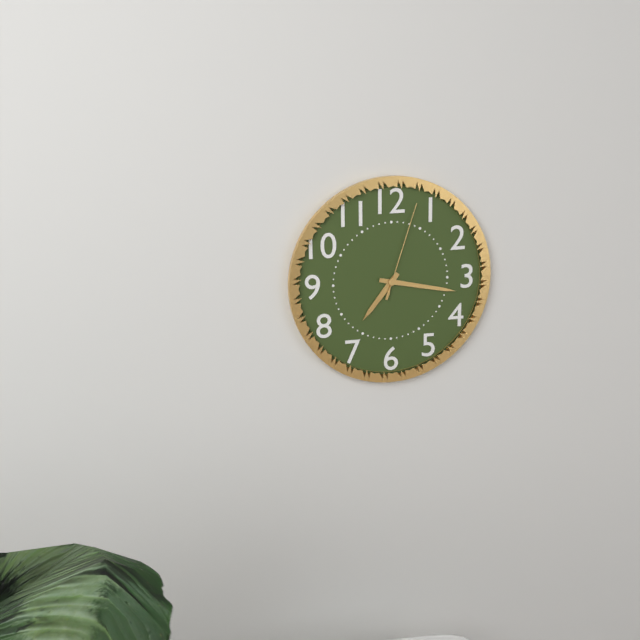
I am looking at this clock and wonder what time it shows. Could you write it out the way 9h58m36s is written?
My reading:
7h17m03s
